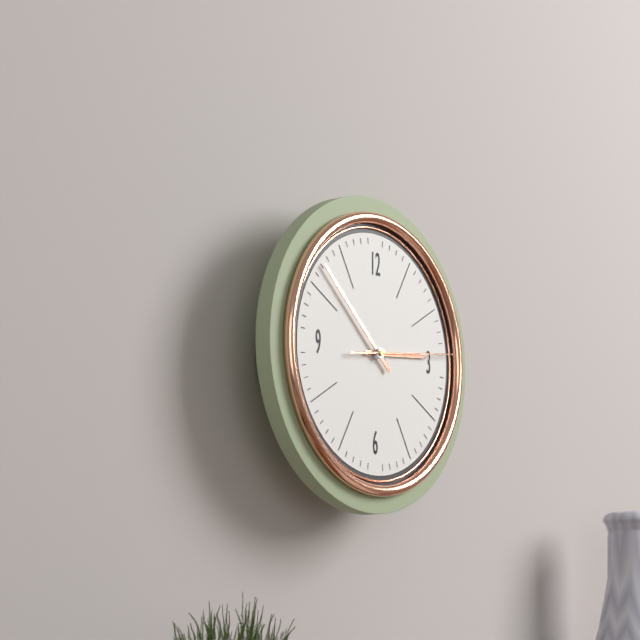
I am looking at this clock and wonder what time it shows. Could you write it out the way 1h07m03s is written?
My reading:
2h52m14s
